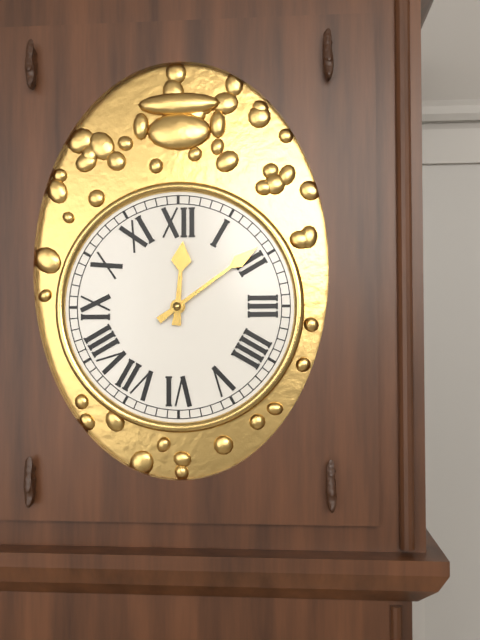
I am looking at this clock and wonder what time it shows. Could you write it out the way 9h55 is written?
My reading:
12h09
